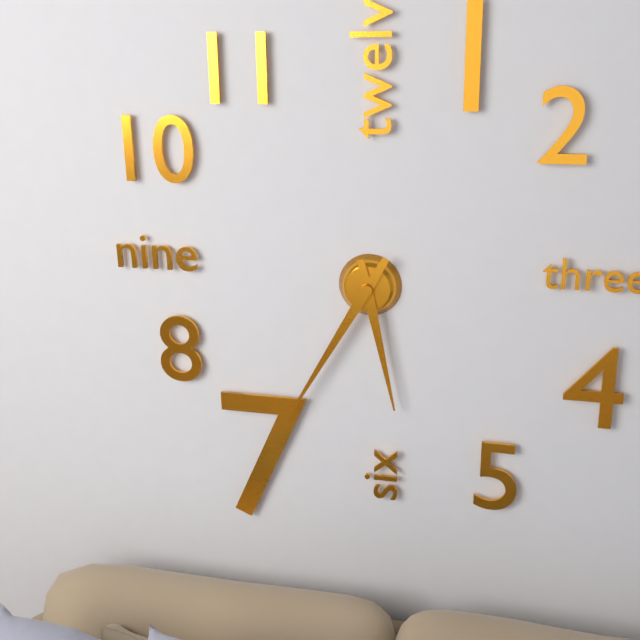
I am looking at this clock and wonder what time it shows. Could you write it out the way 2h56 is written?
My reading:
5h35
